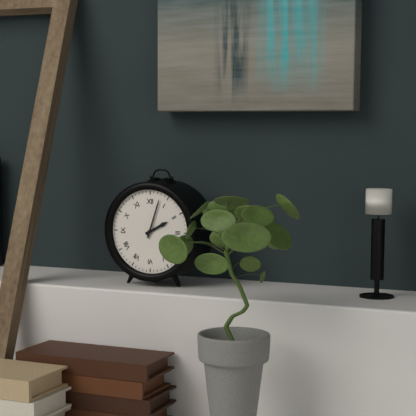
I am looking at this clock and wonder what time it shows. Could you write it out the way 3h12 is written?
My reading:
2h03
